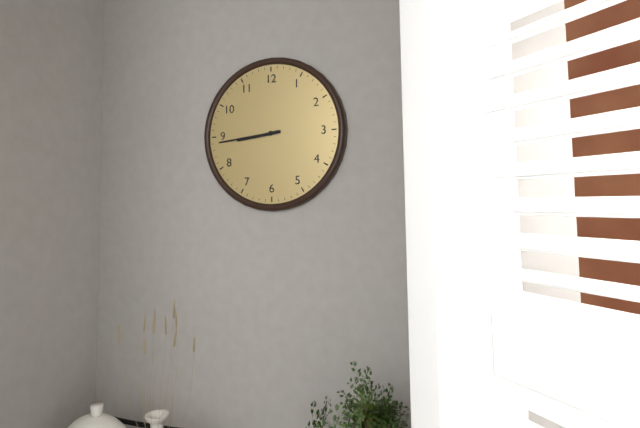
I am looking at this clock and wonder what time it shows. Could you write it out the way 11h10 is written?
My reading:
8h44
